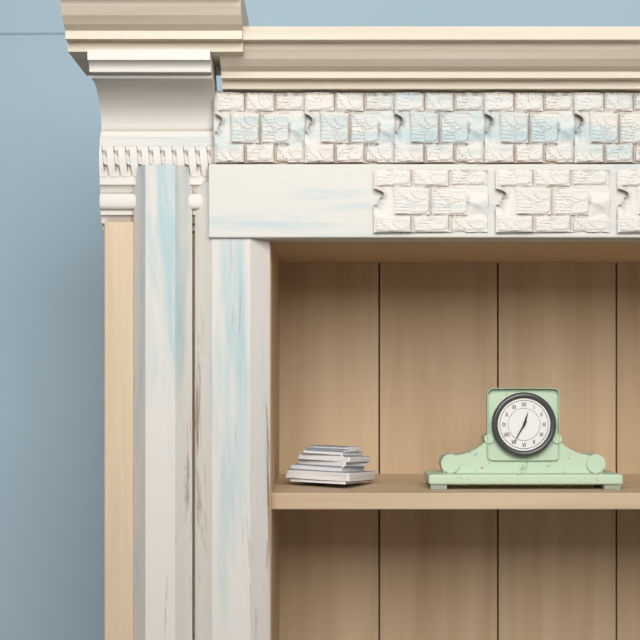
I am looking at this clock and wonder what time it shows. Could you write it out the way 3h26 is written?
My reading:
12h35
